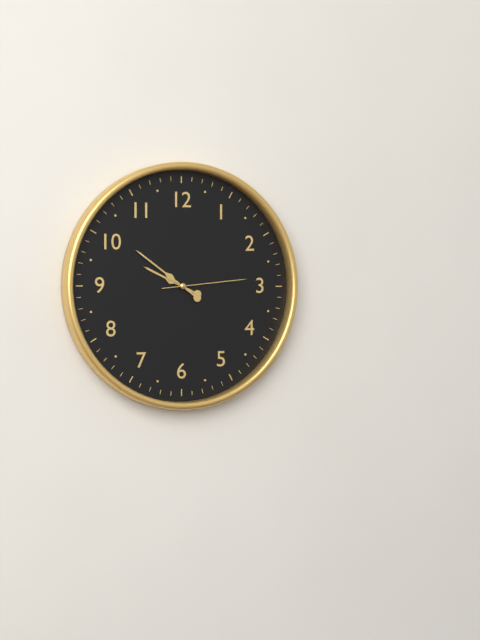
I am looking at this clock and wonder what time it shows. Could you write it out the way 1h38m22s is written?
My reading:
9h51m14s
